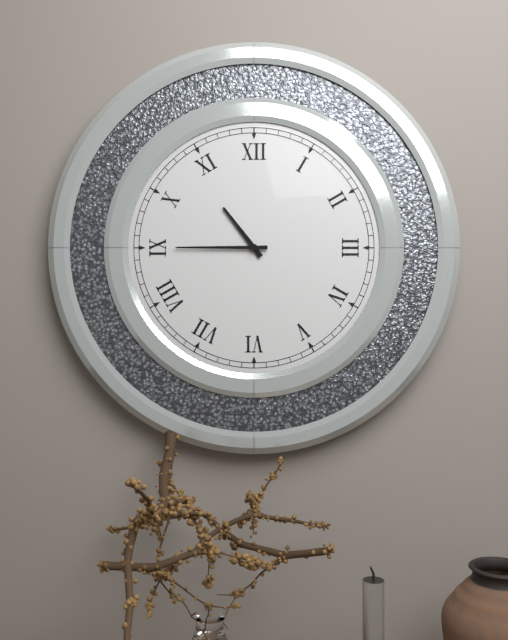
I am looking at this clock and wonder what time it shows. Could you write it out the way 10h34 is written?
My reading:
10h45
